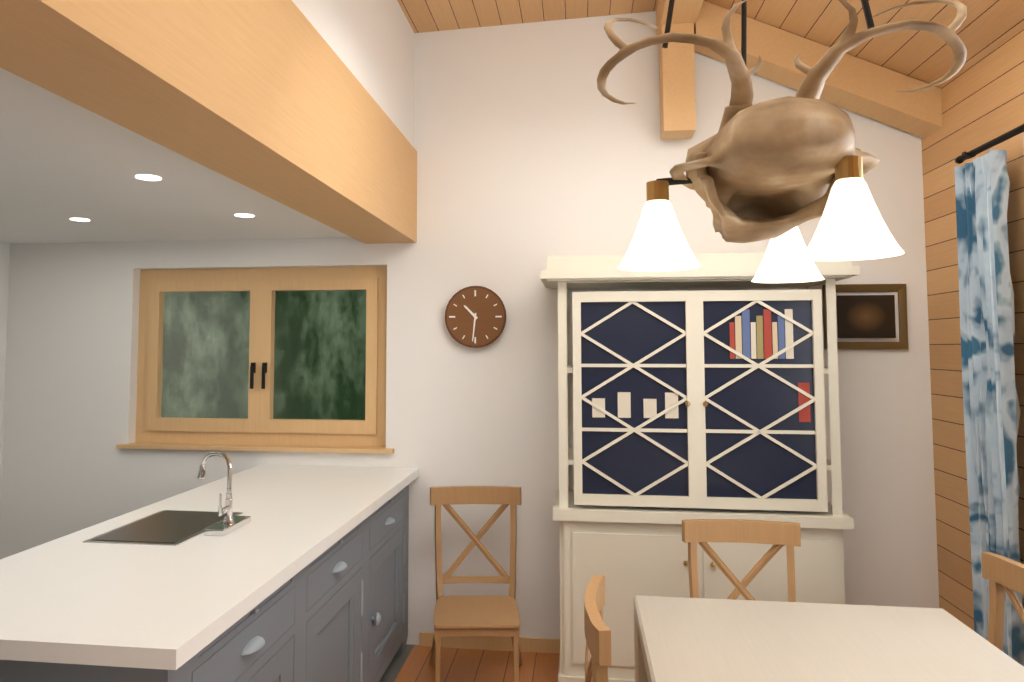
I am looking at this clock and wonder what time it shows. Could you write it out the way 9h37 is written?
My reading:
10h31
